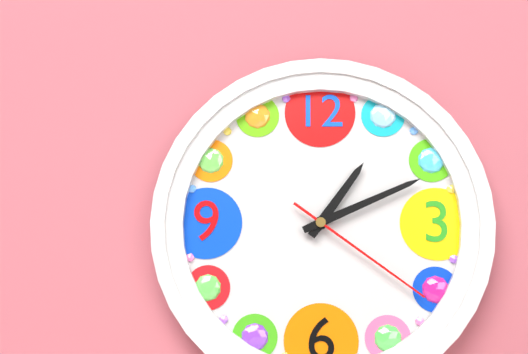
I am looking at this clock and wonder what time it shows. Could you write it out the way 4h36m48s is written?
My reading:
1h11m21s
